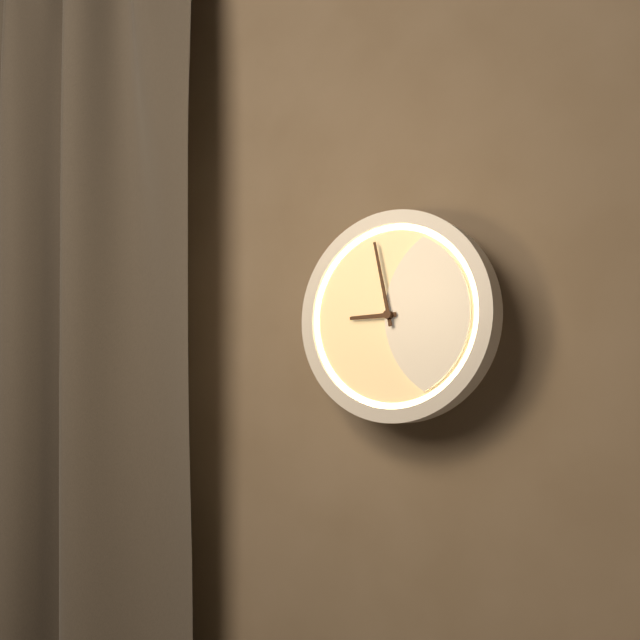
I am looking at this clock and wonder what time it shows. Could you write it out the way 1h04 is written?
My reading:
8h58
